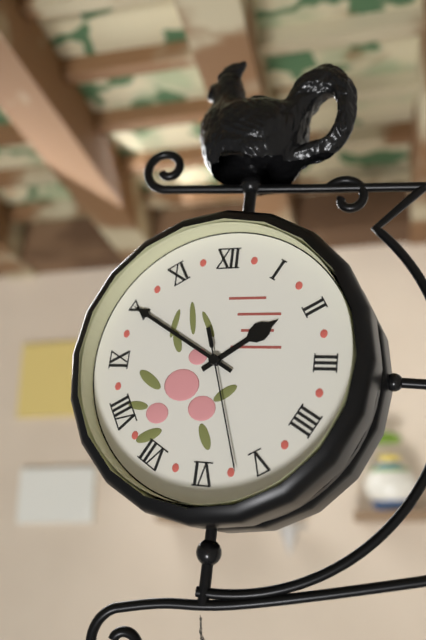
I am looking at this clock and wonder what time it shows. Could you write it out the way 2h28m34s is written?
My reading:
1h50m27s
